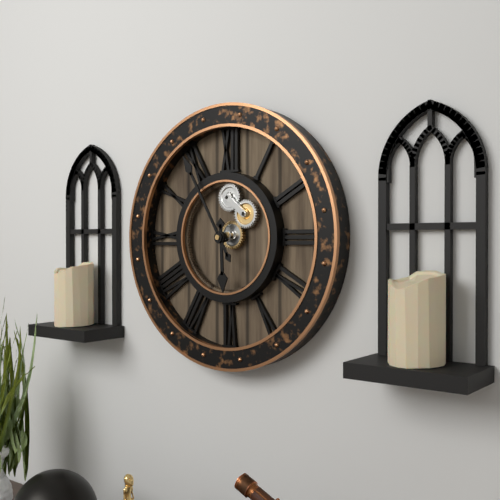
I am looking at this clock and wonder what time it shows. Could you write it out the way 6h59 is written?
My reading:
5h55
